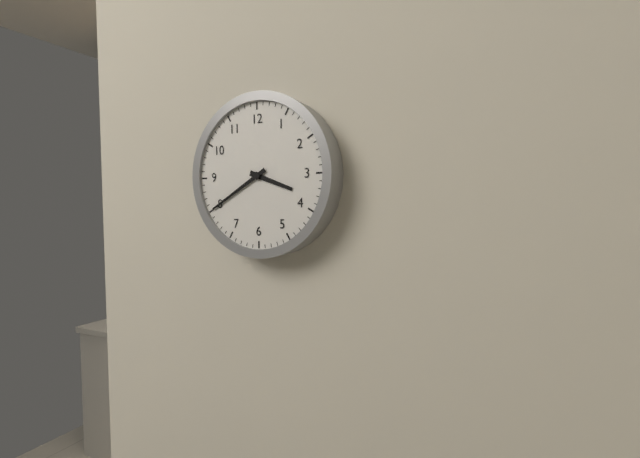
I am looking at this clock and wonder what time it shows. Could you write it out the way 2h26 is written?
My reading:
3h40
